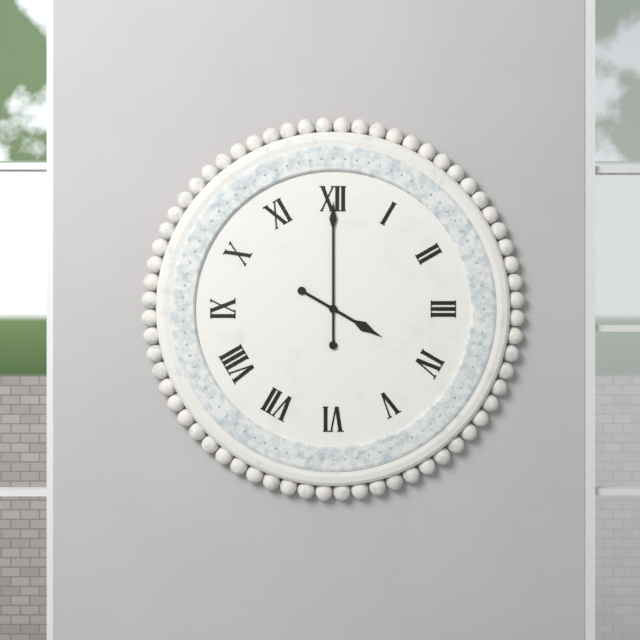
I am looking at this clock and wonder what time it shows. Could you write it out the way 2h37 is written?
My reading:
4h00
